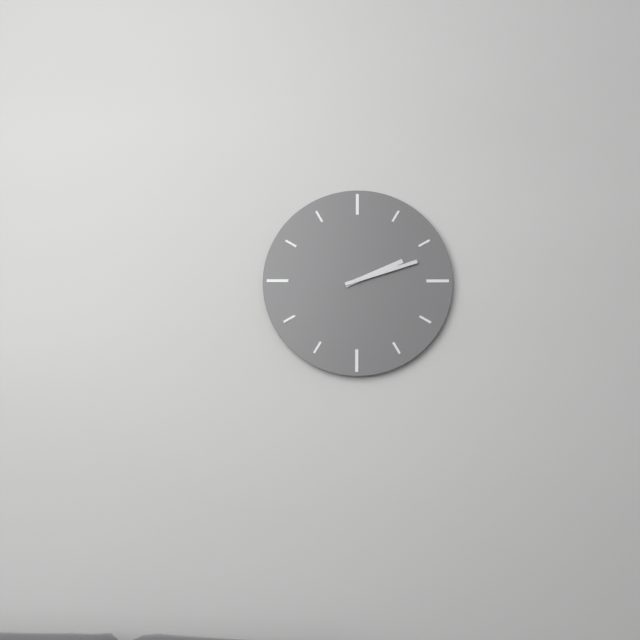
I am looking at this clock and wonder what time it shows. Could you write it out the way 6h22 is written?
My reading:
2h12
